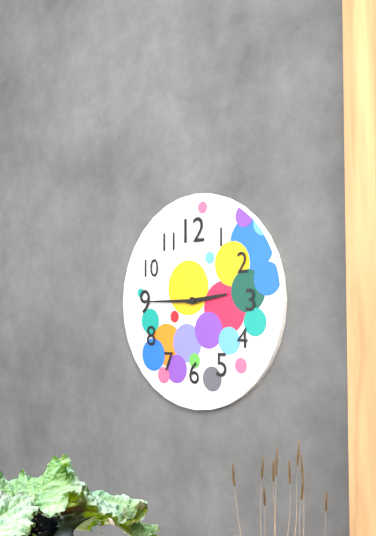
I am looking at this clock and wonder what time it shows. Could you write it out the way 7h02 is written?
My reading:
2h45
